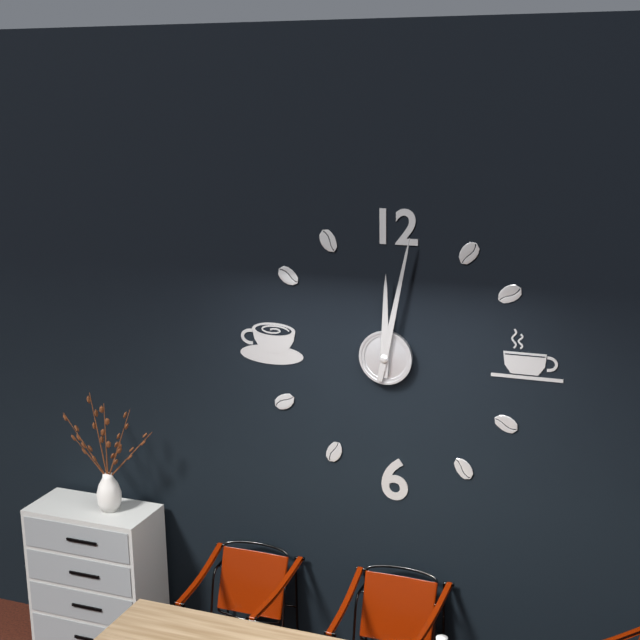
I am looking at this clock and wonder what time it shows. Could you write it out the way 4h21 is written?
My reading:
12h02
